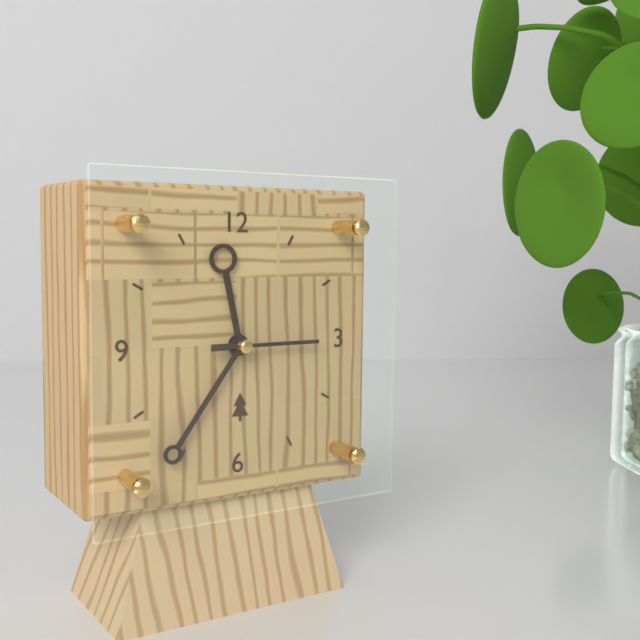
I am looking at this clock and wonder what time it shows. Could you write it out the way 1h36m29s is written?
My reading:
11h36m15s
